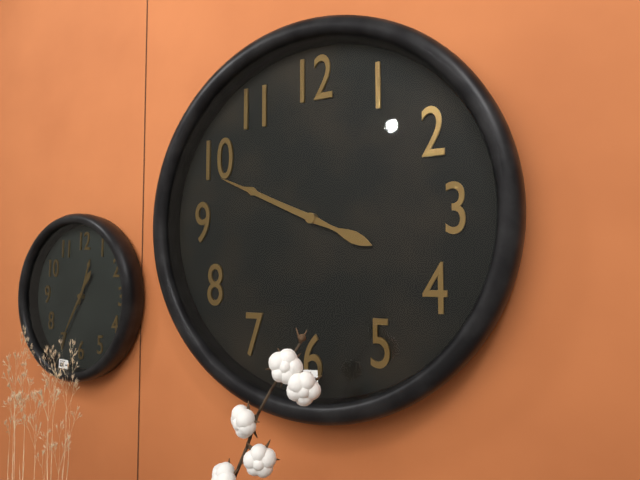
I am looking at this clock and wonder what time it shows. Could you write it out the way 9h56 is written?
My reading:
9h49
